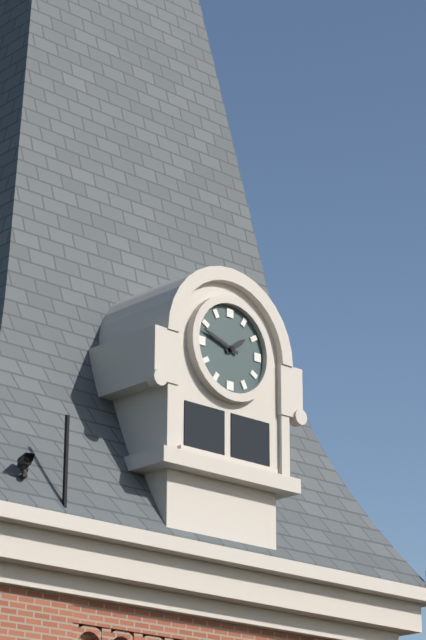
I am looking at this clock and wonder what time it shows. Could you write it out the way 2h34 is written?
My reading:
1h48
